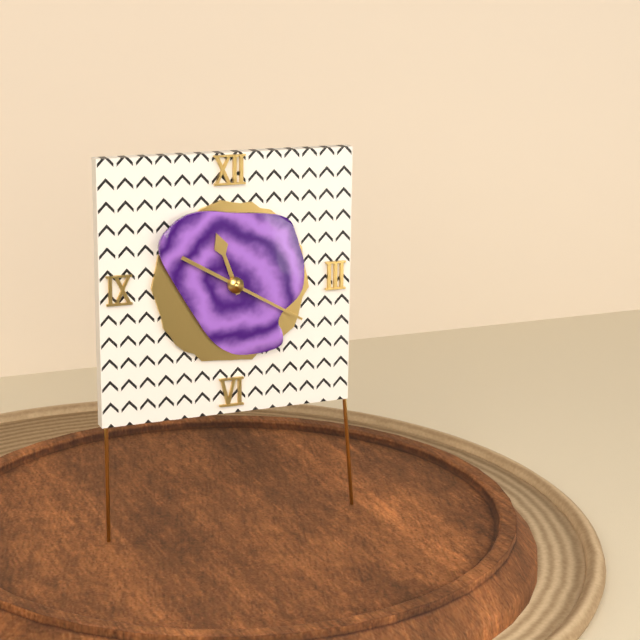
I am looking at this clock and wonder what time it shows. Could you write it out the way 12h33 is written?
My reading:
11h20
